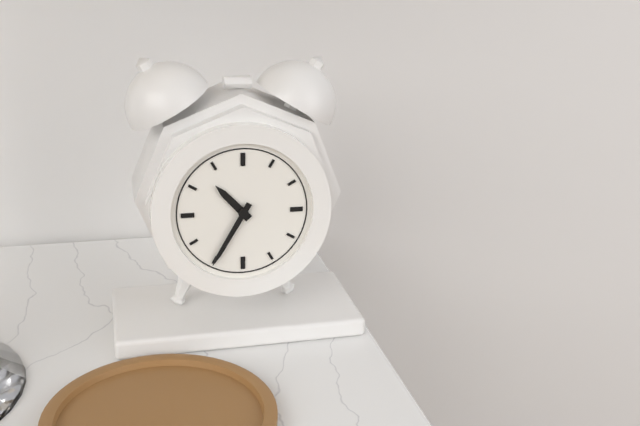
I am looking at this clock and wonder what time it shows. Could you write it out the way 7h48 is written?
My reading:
10h35
